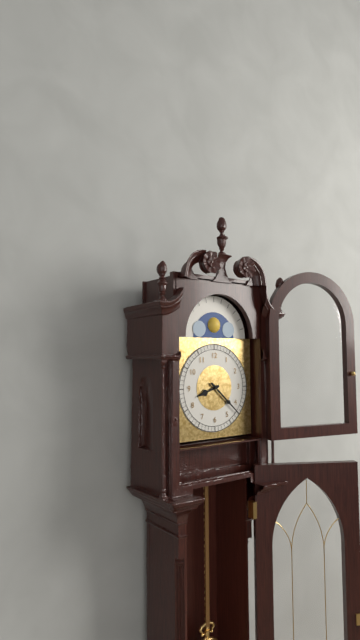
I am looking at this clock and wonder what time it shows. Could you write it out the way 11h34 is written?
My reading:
8h22
